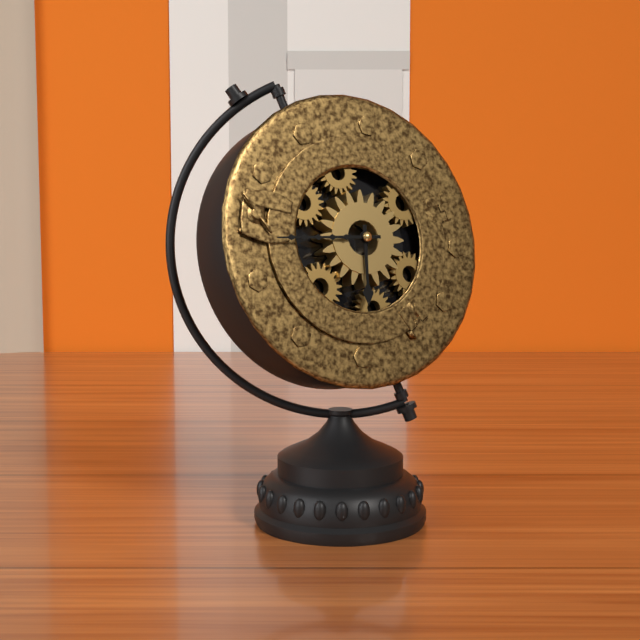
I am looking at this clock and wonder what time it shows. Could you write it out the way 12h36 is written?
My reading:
5h43
